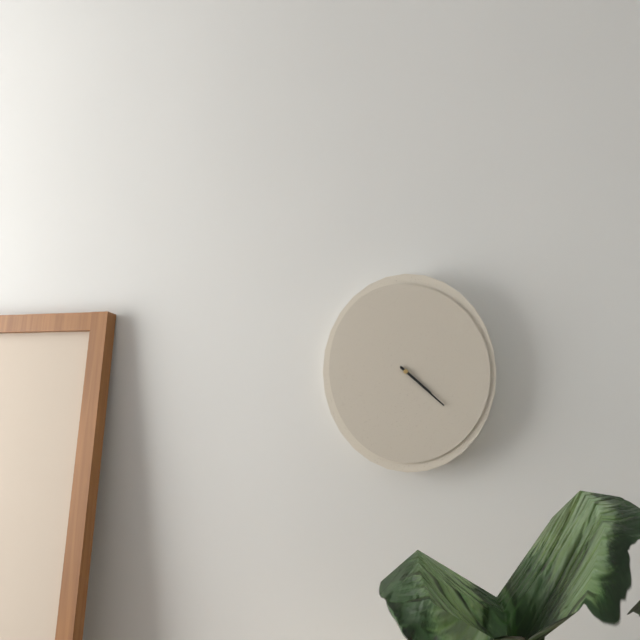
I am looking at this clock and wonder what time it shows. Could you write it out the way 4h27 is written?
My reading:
4h22
